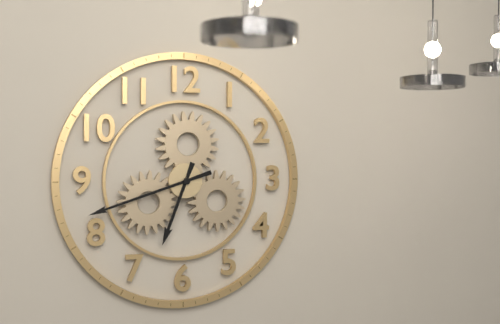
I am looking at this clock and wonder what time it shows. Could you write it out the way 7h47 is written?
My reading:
6h42
